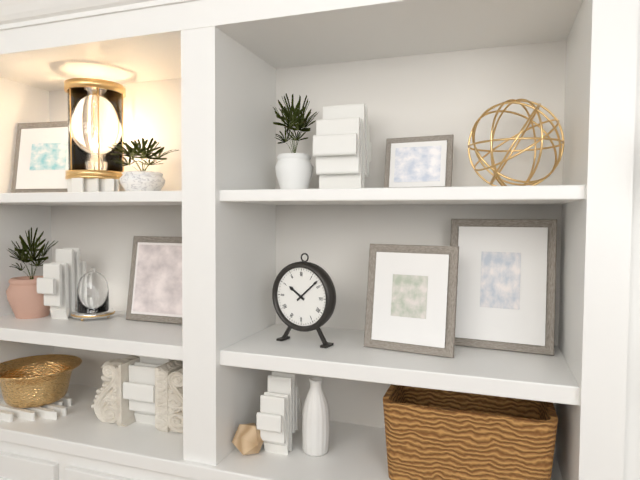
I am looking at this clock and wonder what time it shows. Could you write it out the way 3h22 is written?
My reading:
10h08
